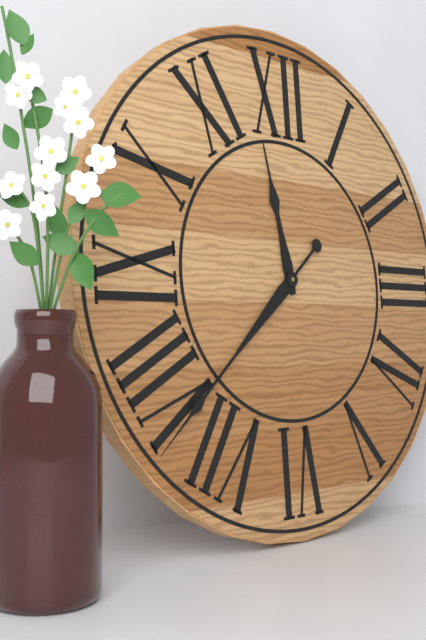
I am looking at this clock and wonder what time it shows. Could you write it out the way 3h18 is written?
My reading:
11h38
